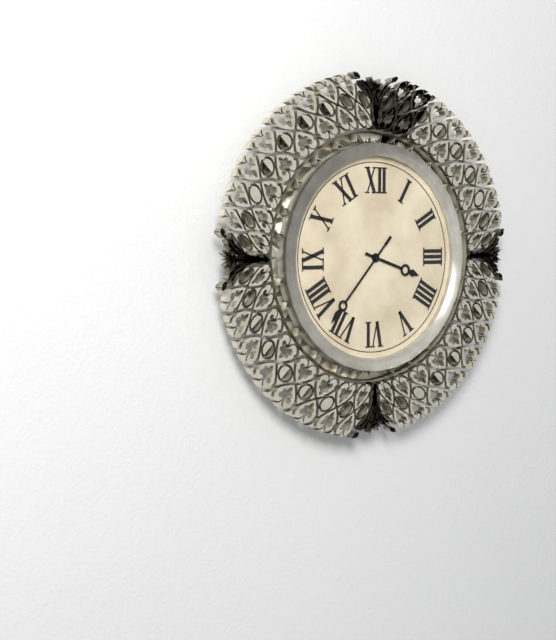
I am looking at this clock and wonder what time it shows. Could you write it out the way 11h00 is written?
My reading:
3h37
